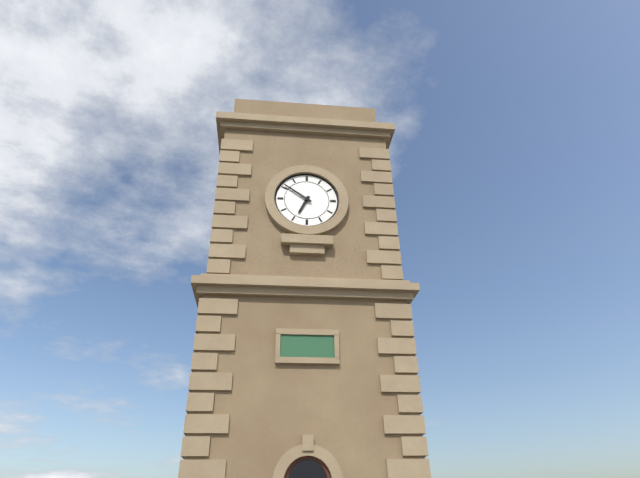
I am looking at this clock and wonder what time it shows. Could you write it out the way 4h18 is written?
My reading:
6h51
